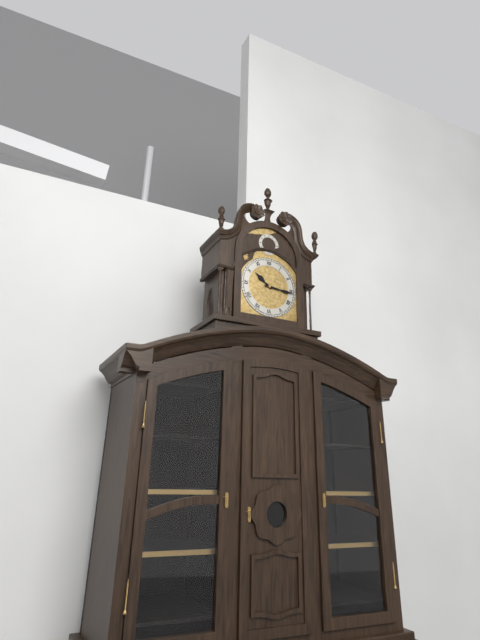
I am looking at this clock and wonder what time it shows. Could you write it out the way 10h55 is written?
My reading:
10h16
